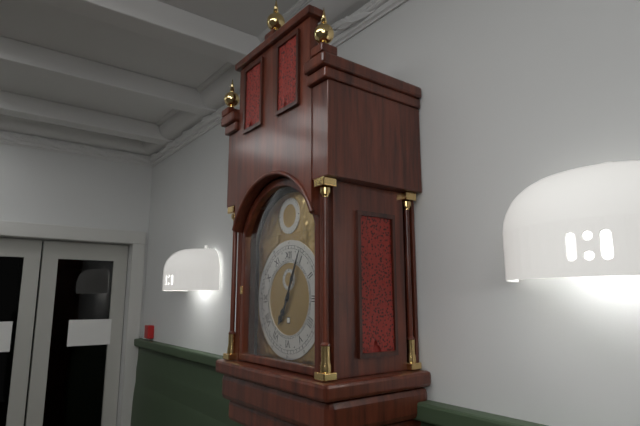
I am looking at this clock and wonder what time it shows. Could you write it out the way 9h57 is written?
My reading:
7h04
